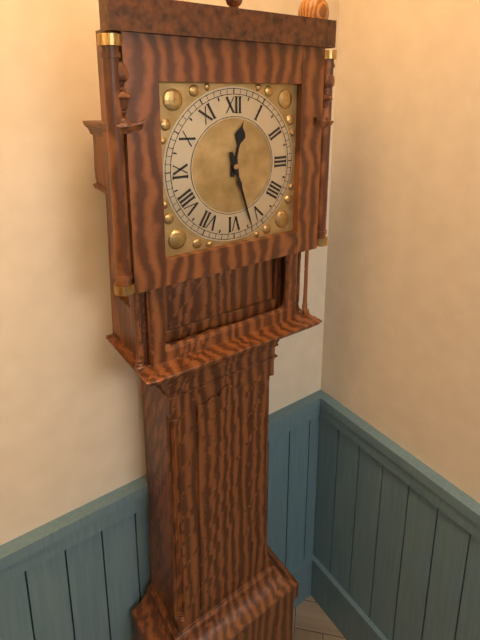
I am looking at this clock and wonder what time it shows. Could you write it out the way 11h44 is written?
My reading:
12h27
